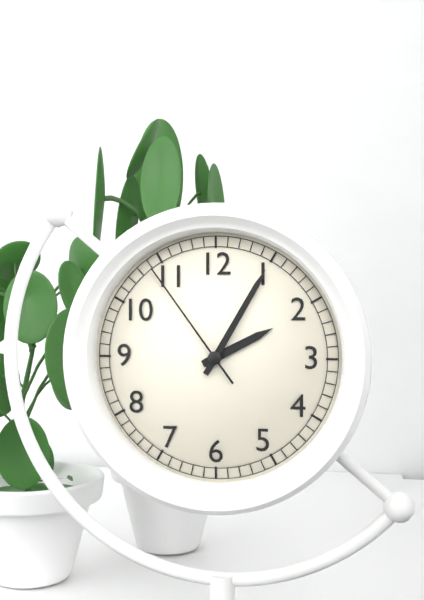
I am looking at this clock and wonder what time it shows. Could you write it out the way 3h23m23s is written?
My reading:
2h05m54s
